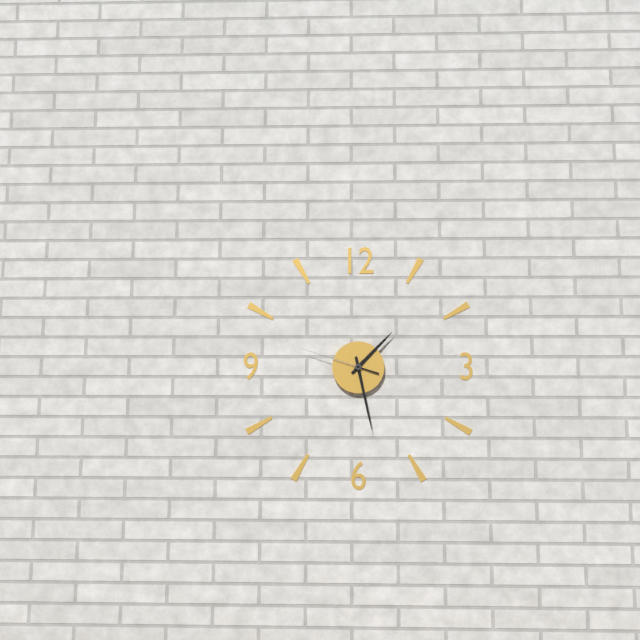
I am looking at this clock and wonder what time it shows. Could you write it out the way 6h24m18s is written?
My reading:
1h28m48s
